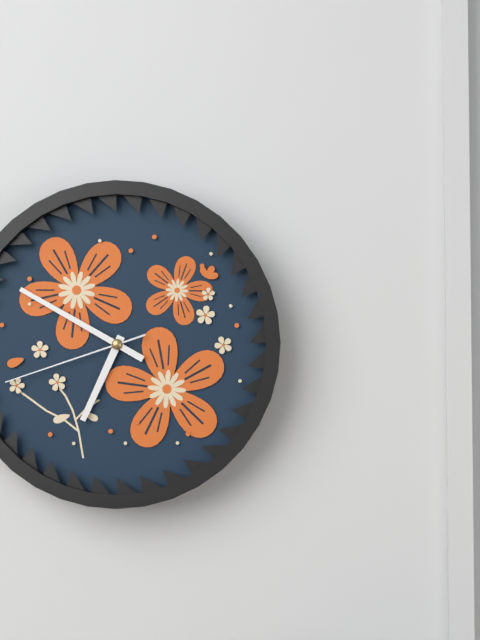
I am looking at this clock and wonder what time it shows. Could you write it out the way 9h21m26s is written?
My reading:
6h50m42s
